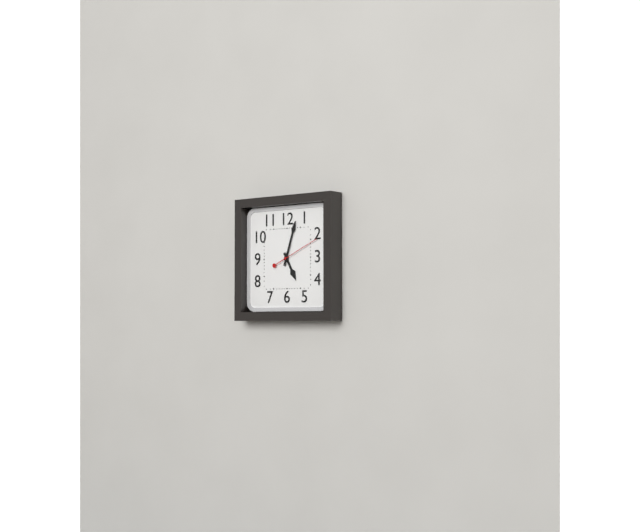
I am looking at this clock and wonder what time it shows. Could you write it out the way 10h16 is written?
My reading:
5h03
